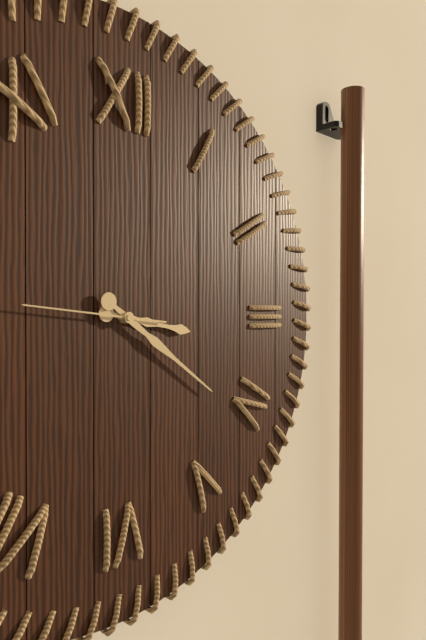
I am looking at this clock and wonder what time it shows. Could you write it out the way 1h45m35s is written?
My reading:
3h21m46s
